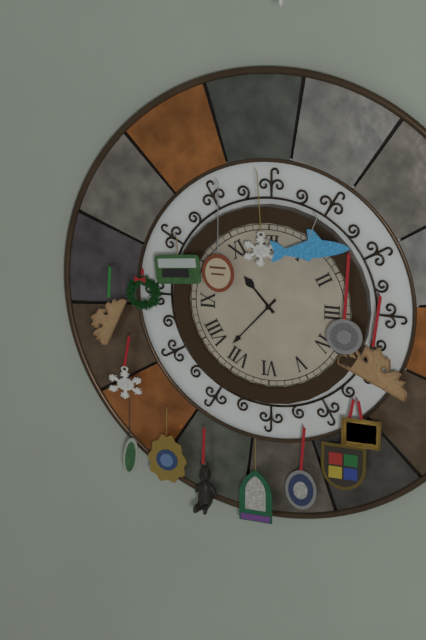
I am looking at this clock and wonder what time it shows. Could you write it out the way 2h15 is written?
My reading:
10h37
